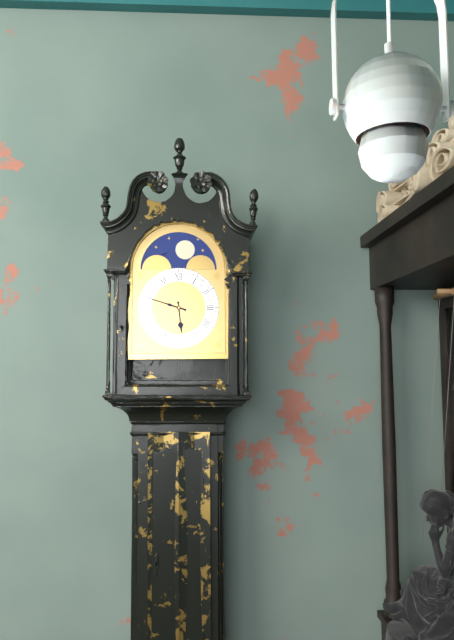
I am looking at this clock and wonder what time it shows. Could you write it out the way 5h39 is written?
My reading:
5h48
